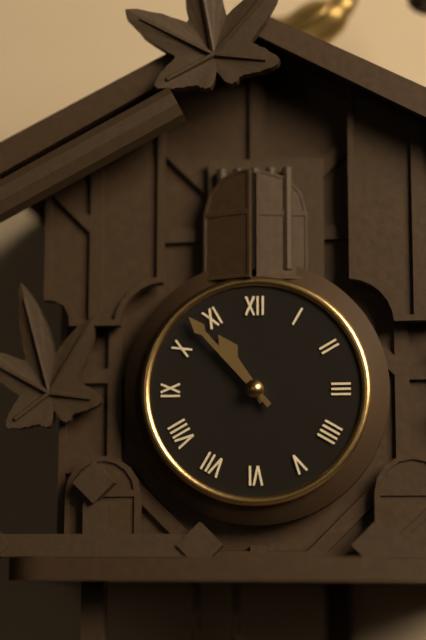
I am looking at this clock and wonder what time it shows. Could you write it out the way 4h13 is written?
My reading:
10h53
